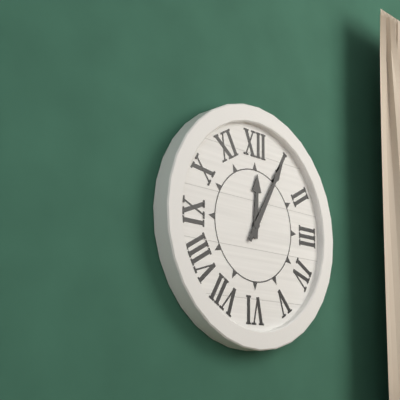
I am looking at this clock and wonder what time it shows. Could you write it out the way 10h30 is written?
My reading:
12h05
